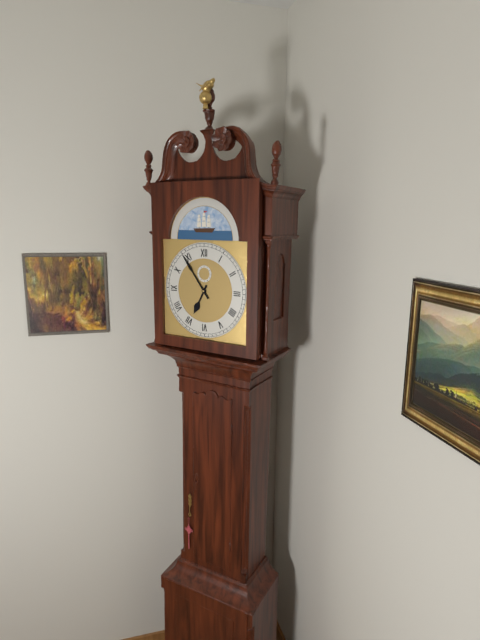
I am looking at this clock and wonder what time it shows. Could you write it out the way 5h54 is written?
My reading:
6h54
